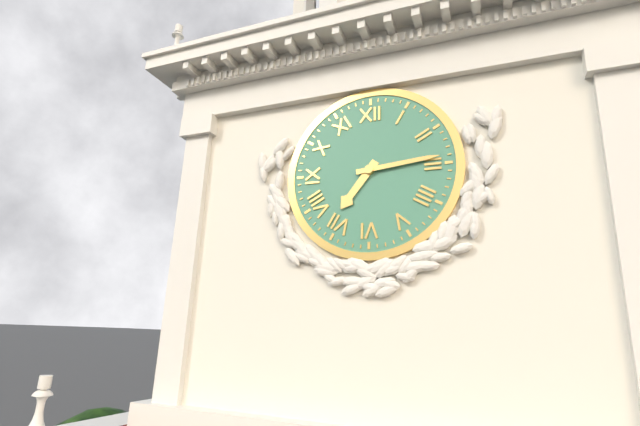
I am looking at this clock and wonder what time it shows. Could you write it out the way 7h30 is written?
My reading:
7h14
